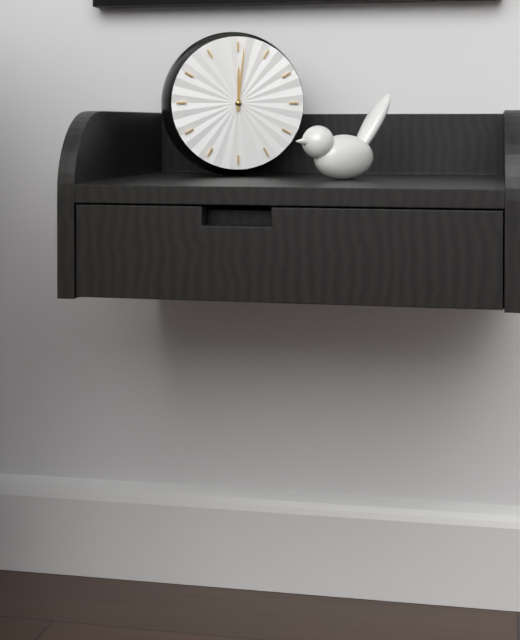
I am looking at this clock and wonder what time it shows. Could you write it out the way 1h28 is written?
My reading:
12h01
